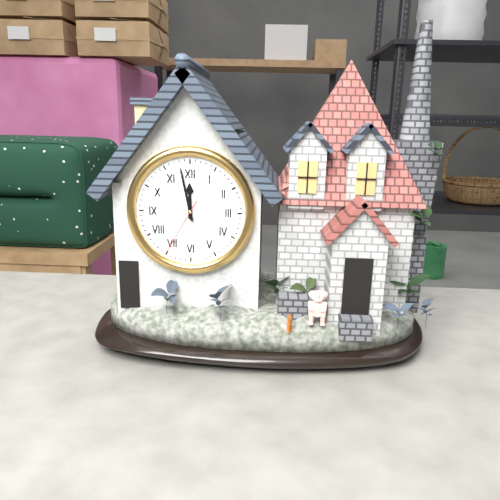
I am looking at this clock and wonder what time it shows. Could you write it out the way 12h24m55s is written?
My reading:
11h58m35s
